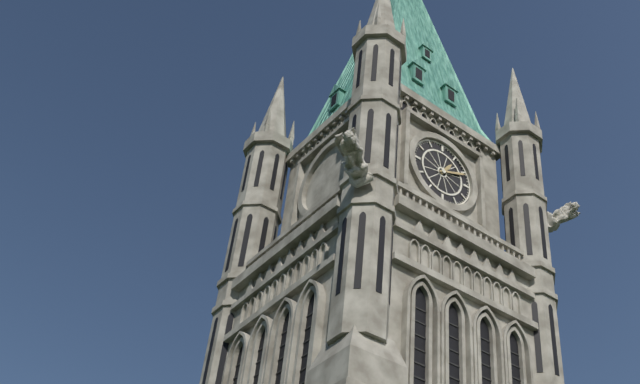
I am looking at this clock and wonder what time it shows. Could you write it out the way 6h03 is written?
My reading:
1h11
